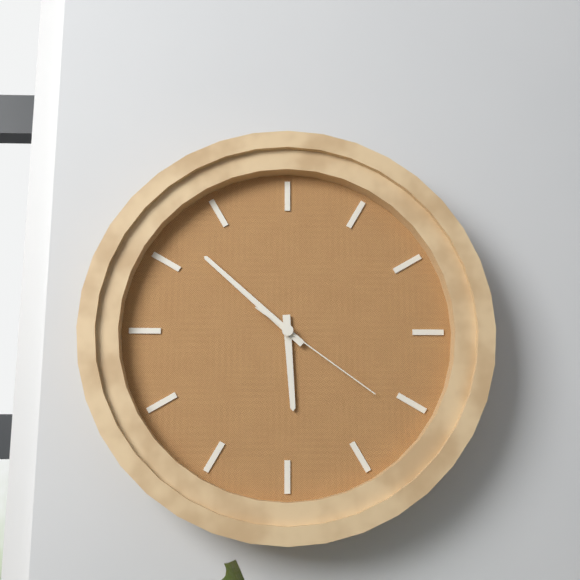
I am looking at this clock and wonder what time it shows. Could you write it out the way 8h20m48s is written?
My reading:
5h52m21s
